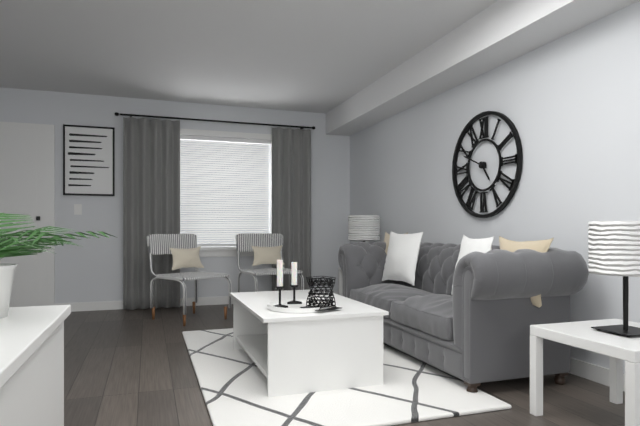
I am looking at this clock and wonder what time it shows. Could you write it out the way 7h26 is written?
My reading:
4h49
